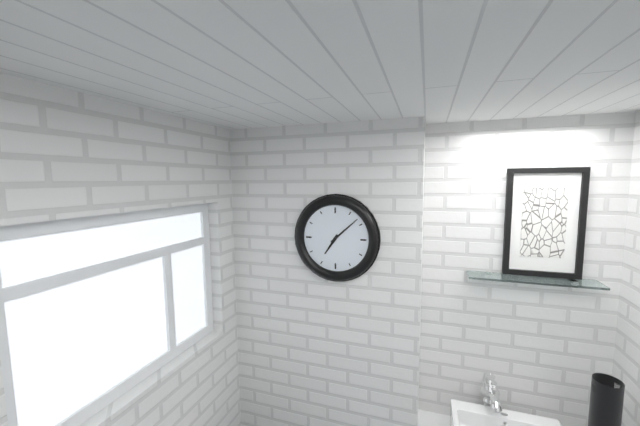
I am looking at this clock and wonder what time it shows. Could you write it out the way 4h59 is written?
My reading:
7h08
